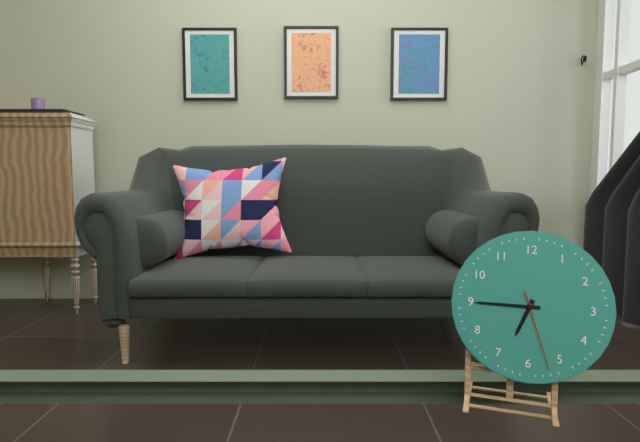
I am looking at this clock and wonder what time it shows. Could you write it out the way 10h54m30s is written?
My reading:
6h45m27s
